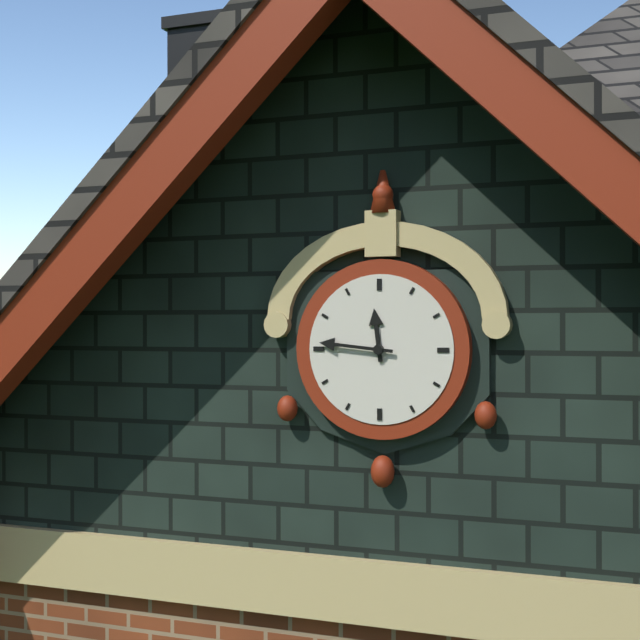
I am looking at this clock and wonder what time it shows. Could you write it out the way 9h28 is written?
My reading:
11h46
